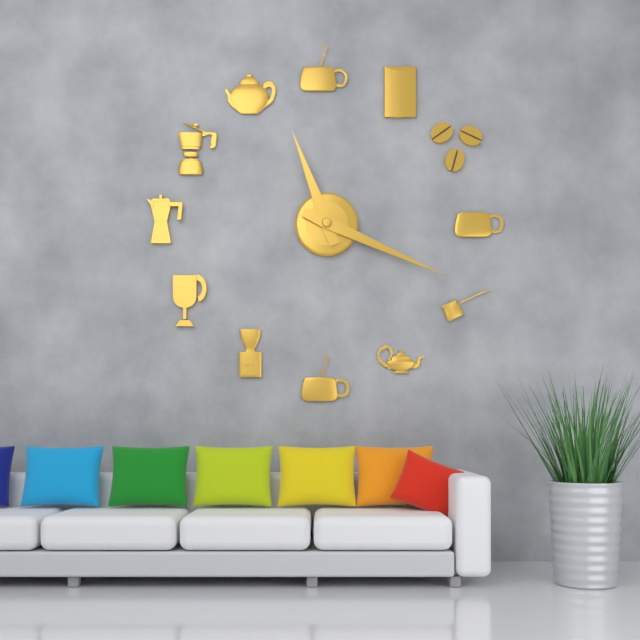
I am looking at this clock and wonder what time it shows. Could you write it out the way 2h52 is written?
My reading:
11h19
